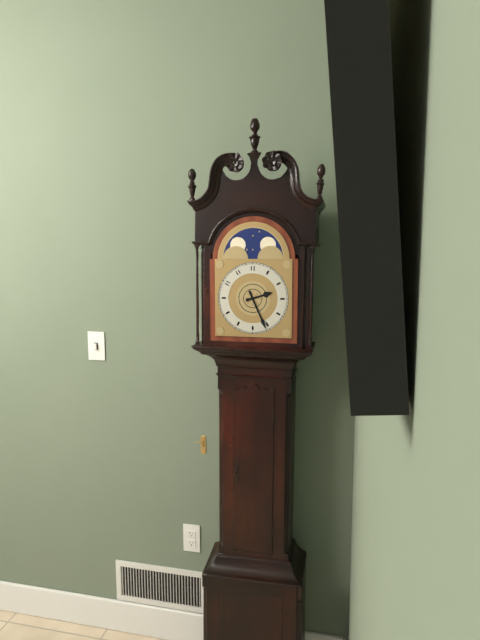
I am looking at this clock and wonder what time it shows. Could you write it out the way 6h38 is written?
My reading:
2h26
